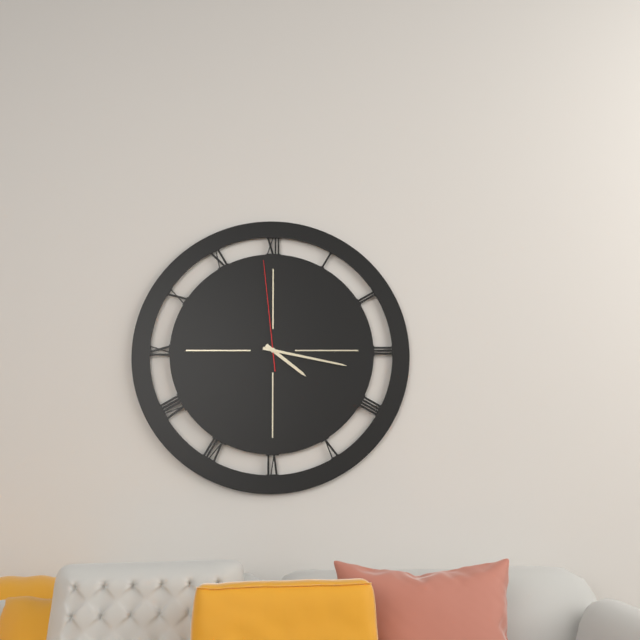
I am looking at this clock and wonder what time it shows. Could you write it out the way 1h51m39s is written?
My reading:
4h17m59s
